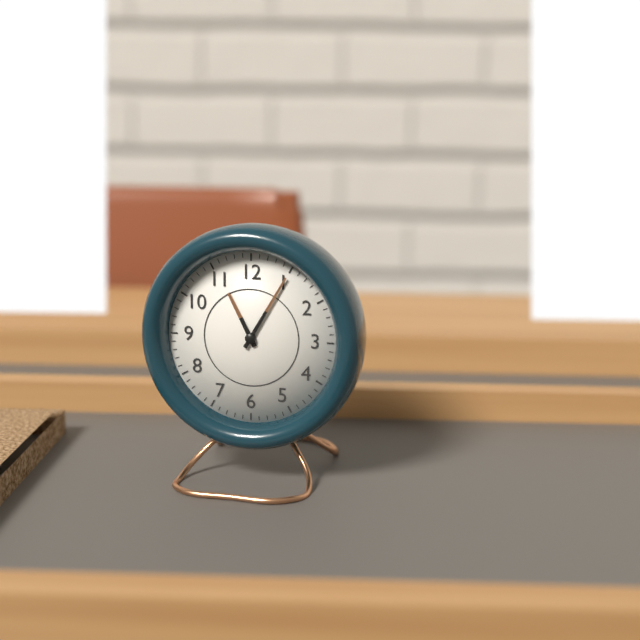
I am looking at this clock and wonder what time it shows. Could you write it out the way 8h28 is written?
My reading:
11h05
